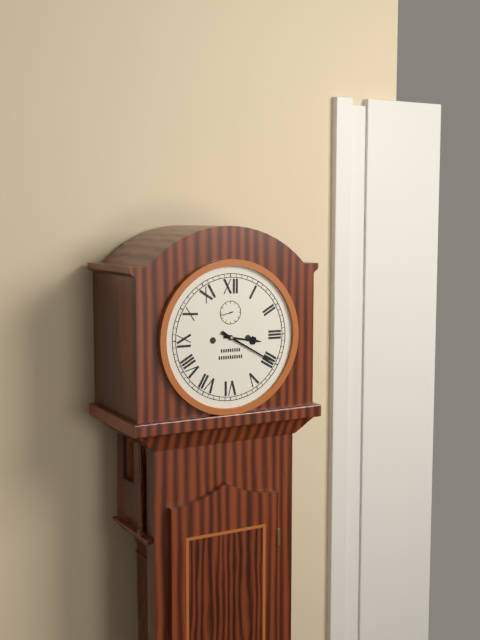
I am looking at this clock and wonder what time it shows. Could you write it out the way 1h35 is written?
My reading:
3h20
